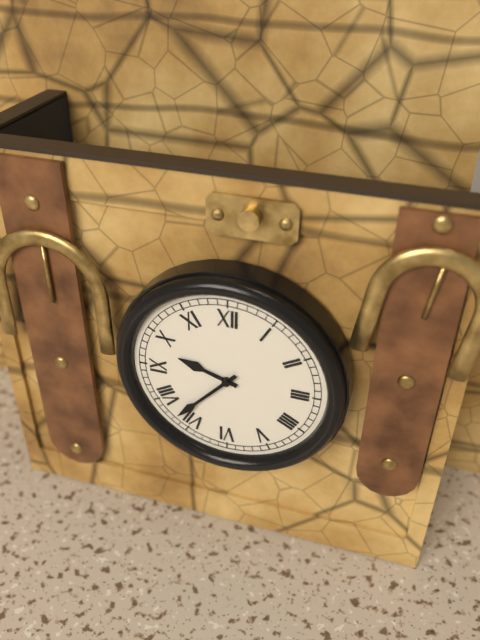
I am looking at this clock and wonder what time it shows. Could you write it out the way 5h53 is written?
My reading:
9h37
